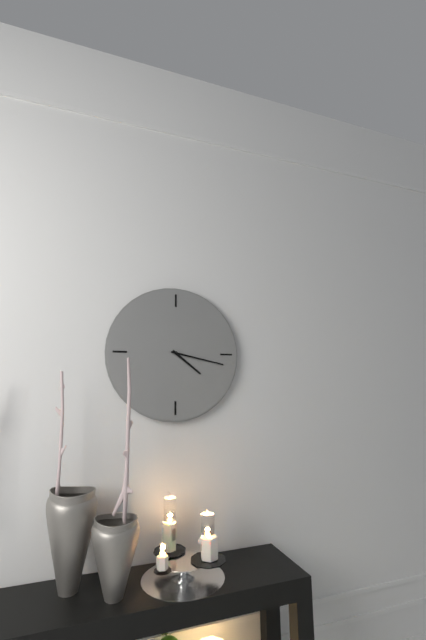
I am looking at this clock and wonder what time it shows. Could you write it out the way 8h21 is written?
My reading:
4h17
